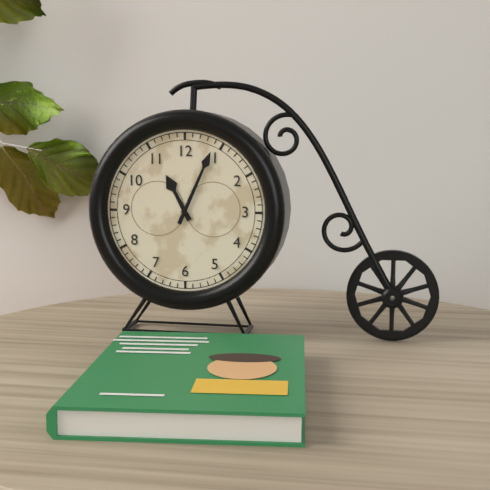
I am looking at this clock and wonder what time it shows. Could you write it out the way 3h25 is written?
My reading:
11h04
